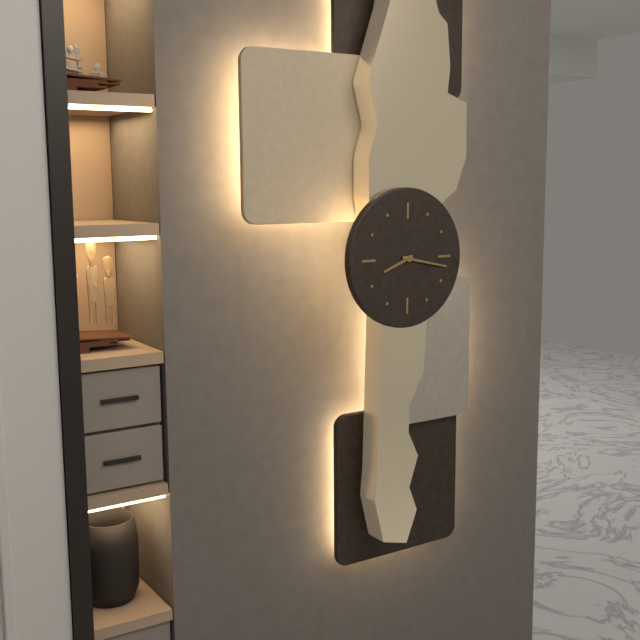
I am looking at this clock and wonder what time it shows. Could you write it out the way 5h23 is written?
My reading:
8h17
